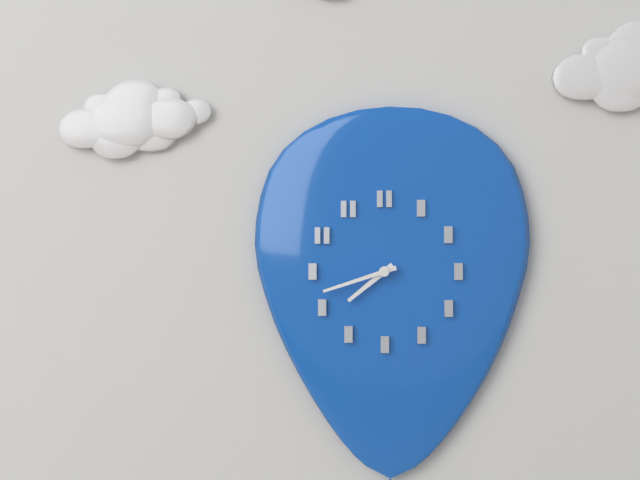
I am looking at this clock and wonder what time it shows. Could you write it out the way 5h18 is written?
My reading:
7h42
